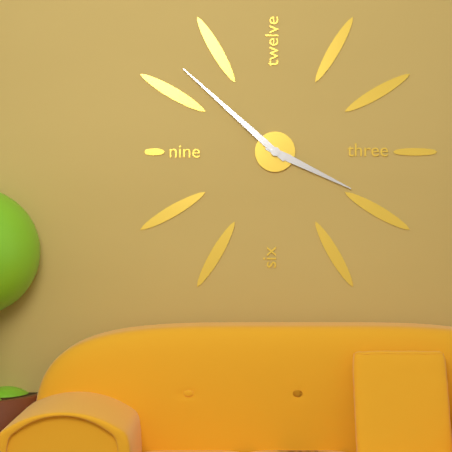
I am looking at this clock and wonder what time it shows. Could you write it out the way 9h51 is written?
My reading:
3h52
